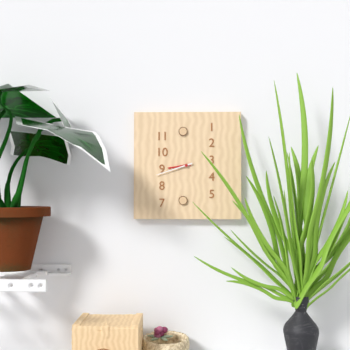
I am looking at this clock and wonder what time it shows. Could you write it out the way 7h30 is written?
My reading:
8h42
